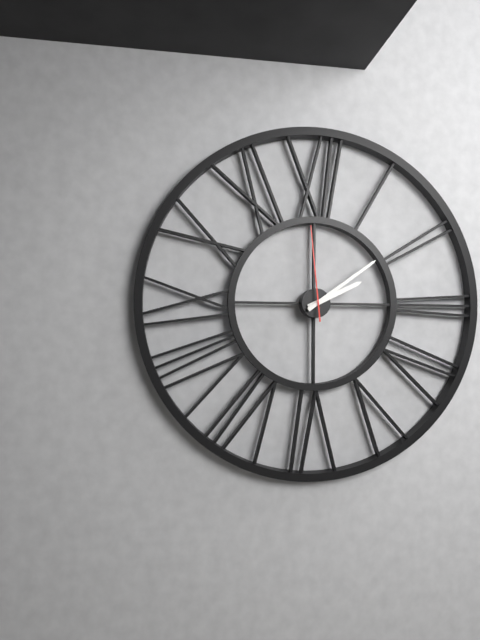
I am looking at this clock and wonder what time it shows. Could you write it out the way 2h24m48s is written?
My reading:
2h09m59s
